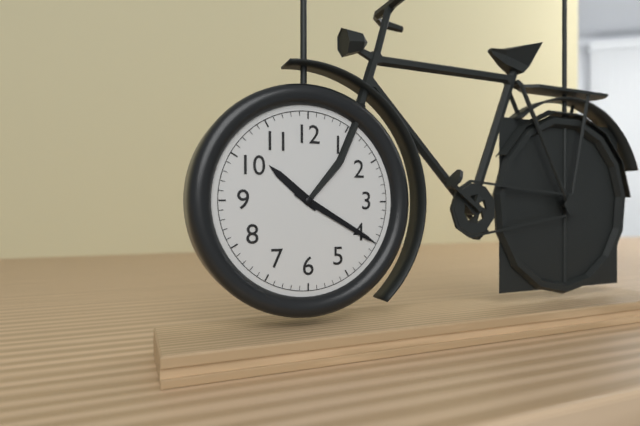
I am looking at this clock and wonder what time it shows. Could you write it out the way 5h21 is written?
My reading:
10h20
